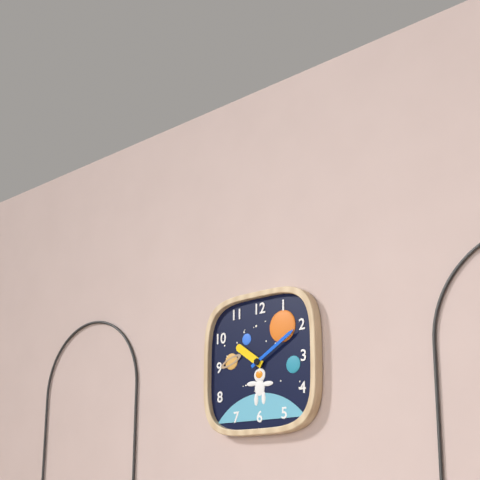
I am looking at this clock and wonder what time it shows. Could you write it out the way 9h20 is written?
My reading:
10h10
